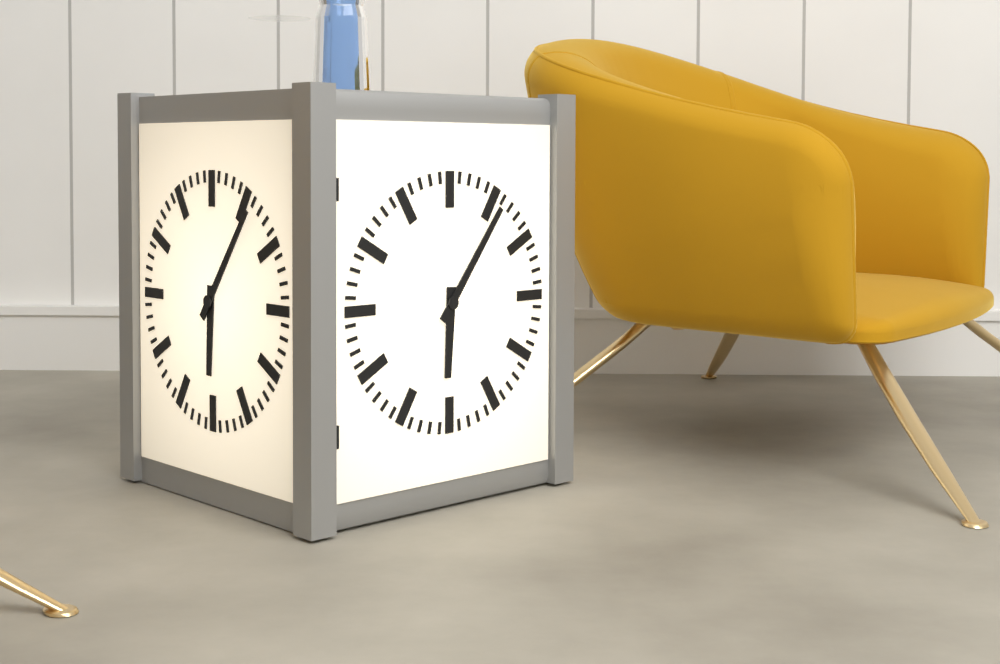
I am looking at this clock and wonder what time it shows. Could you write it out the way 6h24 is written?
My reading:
6h06
